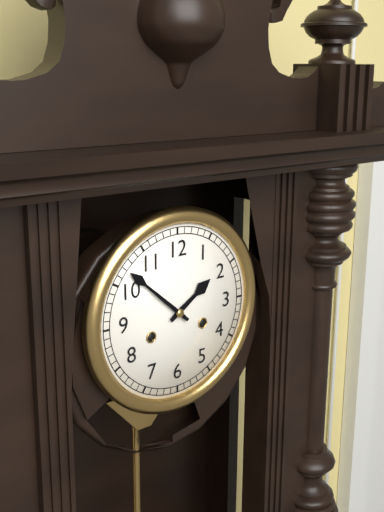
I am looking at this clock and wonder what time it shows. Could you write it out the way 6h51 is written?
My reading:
1h52
